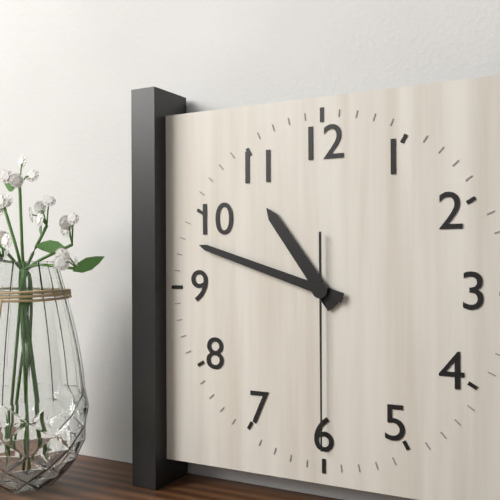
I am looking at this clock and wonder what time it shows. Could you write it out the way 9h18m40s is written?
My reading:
10h48m30s
